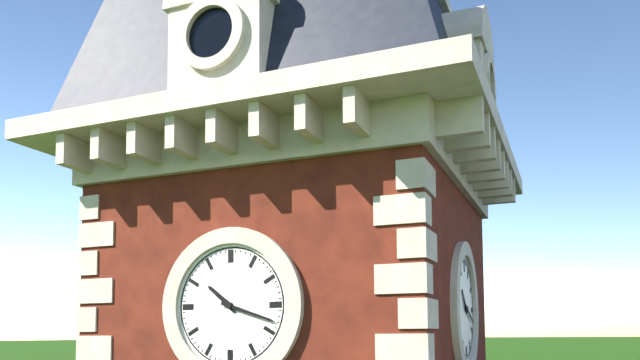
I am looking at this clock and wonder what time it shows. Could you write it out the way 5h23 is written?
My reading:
10h18
